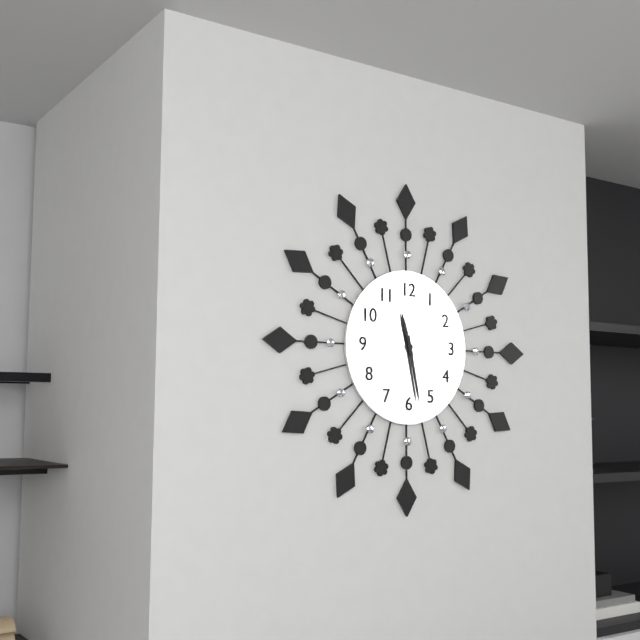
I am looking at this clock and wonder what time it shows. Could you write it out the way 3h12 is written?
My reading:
11h28
